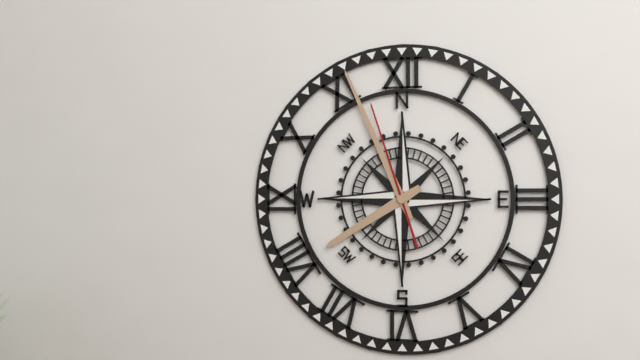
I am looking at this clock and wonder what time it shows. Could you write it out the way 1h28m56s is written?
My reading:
7h56m57s
